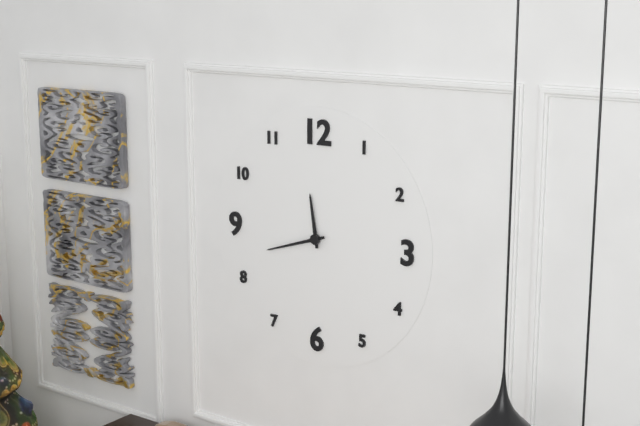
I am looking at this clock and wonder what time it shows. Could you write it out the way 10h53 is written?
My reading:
11h42
